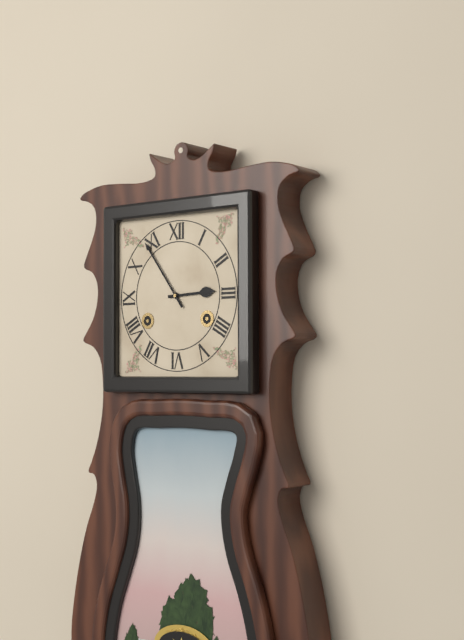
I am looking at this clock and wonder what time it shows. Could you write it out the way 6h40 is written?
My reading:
2h54
